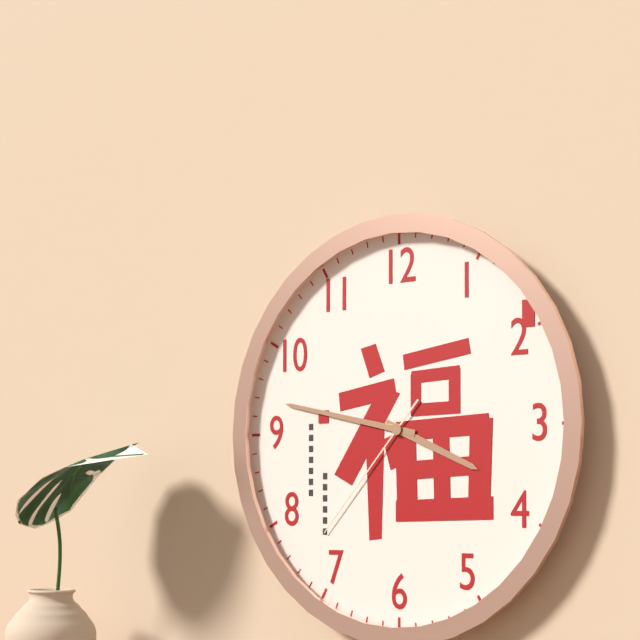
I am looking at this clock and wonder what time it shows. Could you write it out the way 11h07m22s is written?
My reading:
3h47m37s
